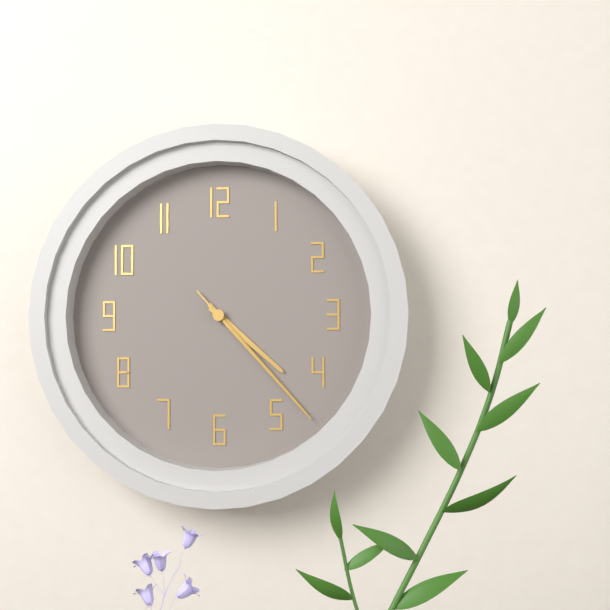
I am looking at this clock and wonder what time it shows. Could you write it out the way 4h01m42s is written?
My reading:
4h23m23s
